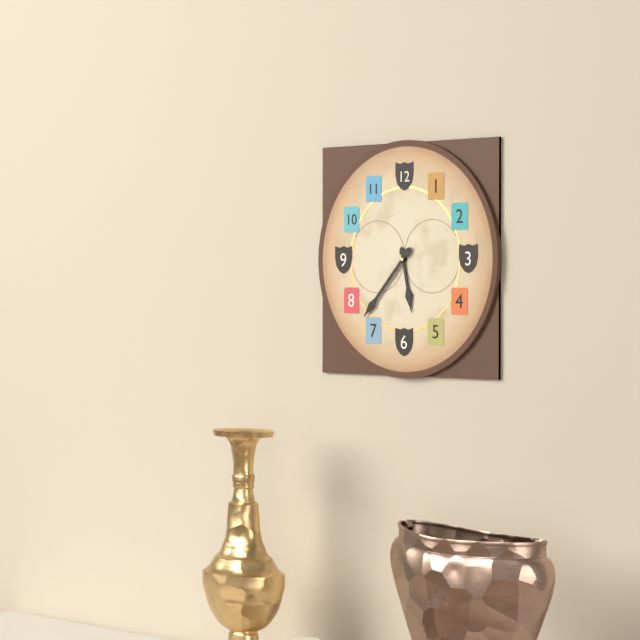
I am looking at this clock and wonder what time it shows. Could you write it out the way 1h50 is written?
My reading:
5h37
